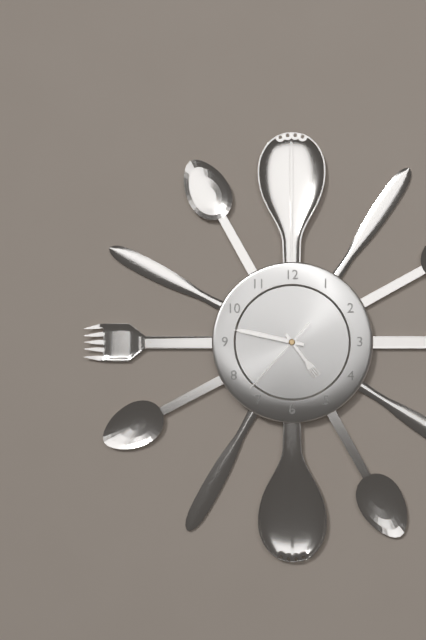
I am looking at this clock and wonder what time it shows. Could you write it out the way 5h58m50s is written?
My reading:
4h47m37s
